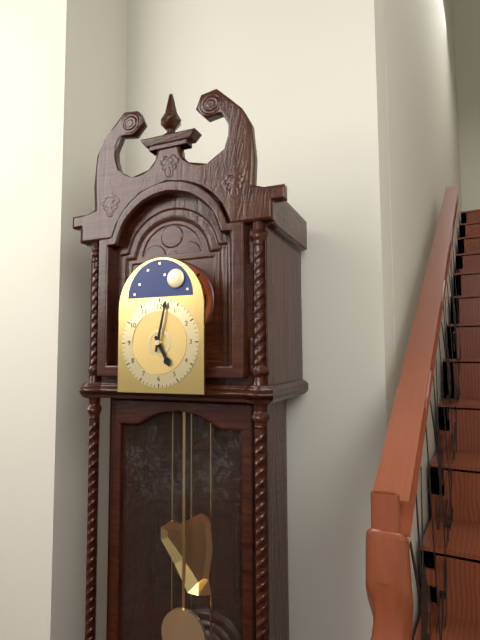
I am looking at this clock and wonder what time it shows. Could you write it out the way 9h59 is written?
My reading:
5h02
